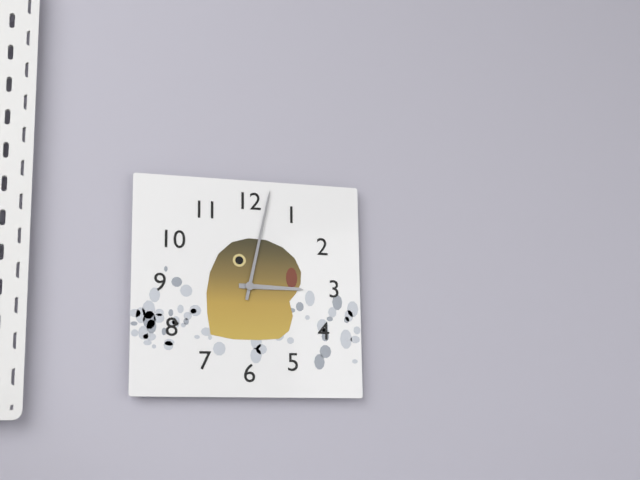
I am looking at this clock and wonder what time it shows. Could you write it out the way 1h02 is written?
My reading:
3h02
